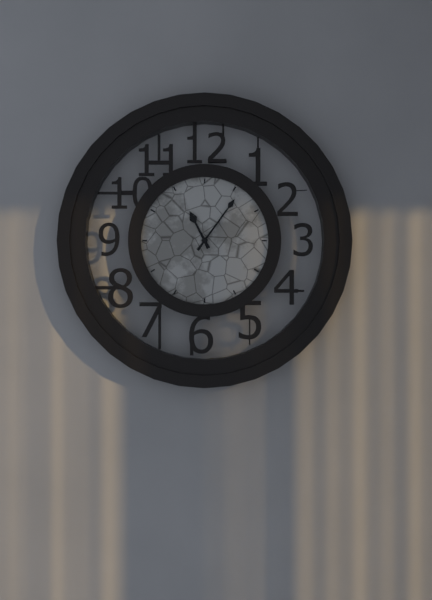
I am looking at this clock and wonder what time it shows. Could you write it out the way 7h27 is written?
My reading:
11h06
